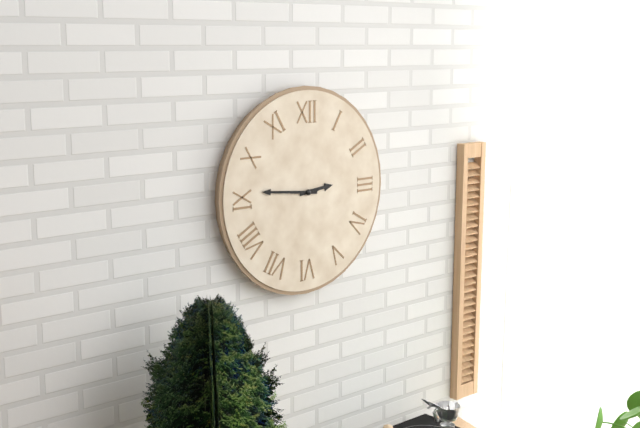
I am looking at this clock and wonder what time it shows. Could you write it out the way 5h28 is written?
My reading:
2h46
